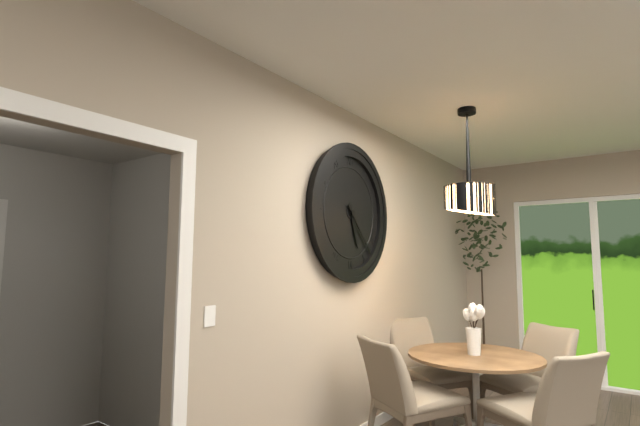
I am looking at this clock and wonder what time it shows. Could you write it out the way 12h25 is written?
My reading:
5h23
